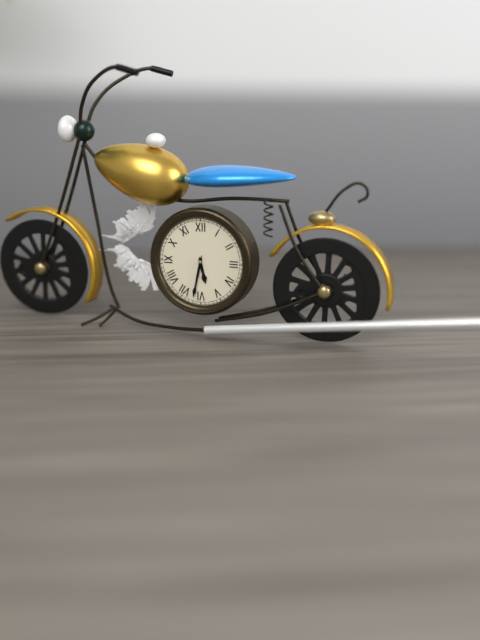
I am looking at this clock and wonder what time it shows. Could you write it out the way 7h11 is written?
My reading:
5h32
